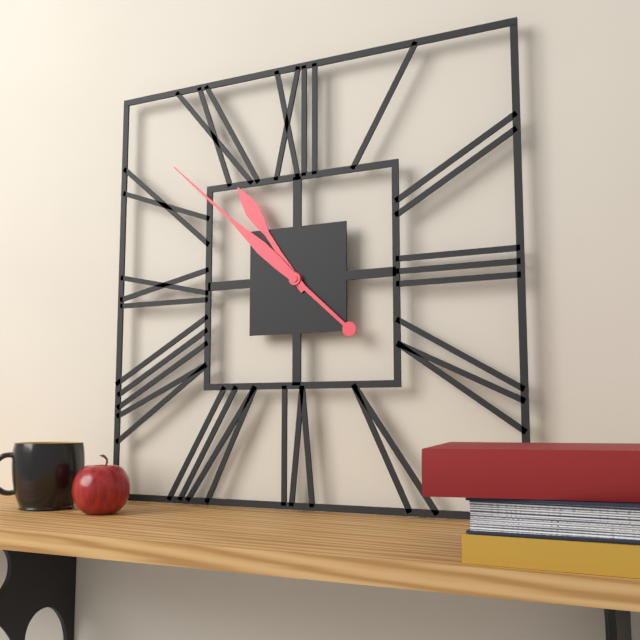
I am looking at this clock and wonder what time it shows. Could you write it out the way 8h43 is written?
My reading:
10h52
